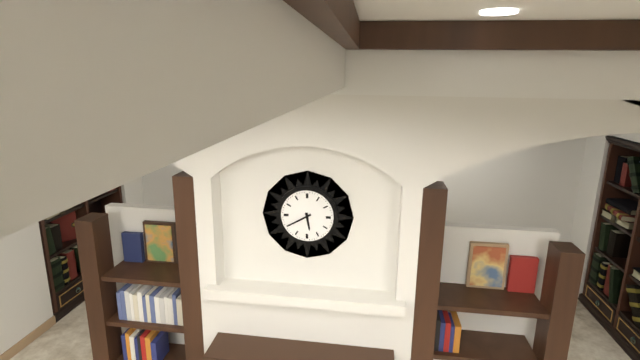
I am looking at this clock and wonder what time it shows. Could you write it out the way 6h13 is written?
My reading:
5h40
